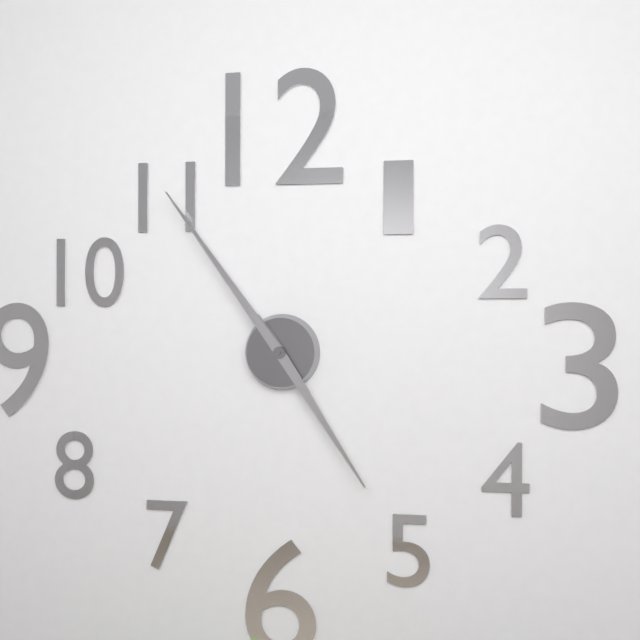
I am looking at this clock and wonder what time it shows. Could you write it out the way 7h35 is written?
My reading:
4h54
